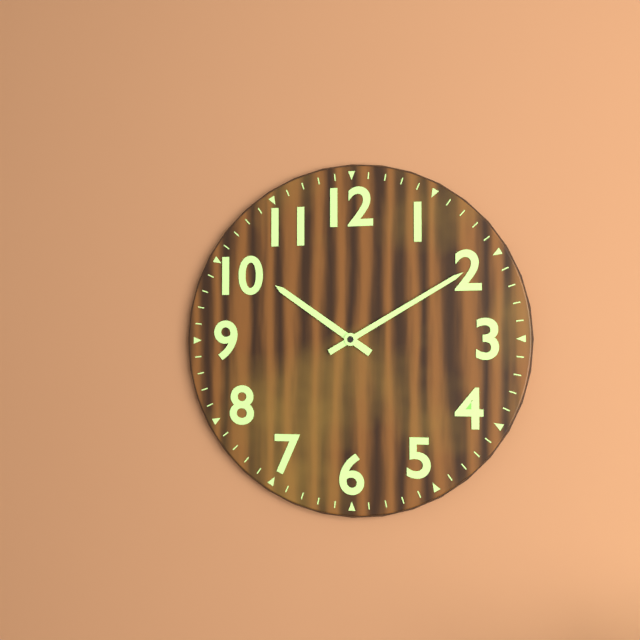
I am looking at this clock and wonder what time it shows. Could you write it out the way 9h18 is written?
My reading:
10h10
